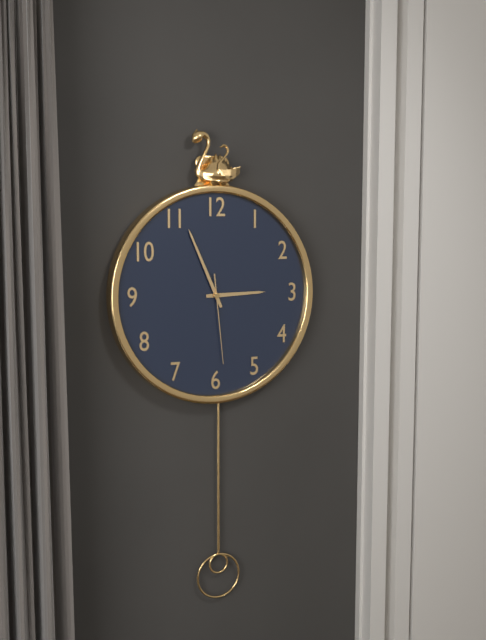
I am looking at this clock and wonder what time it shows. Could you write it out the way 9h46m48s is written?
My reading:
2h56m29s
